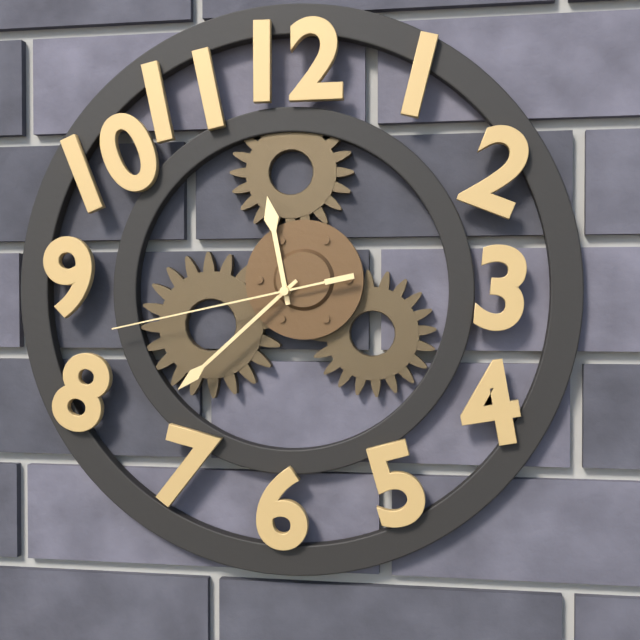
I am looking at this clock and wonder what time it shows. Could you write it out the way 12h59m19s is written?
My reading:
11h38m43s
